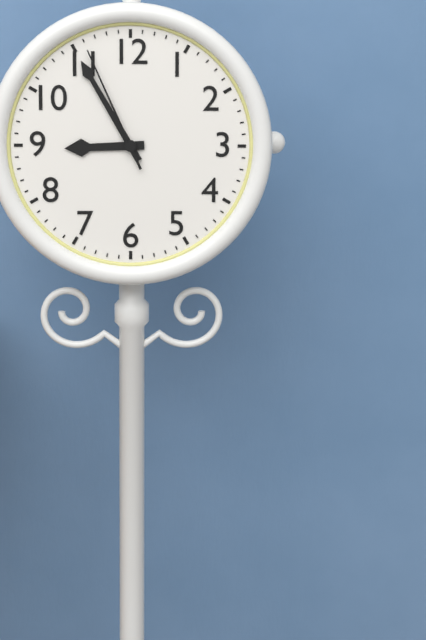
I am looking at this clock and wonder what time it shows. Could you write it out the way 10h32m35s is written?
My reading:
8h55m56s
